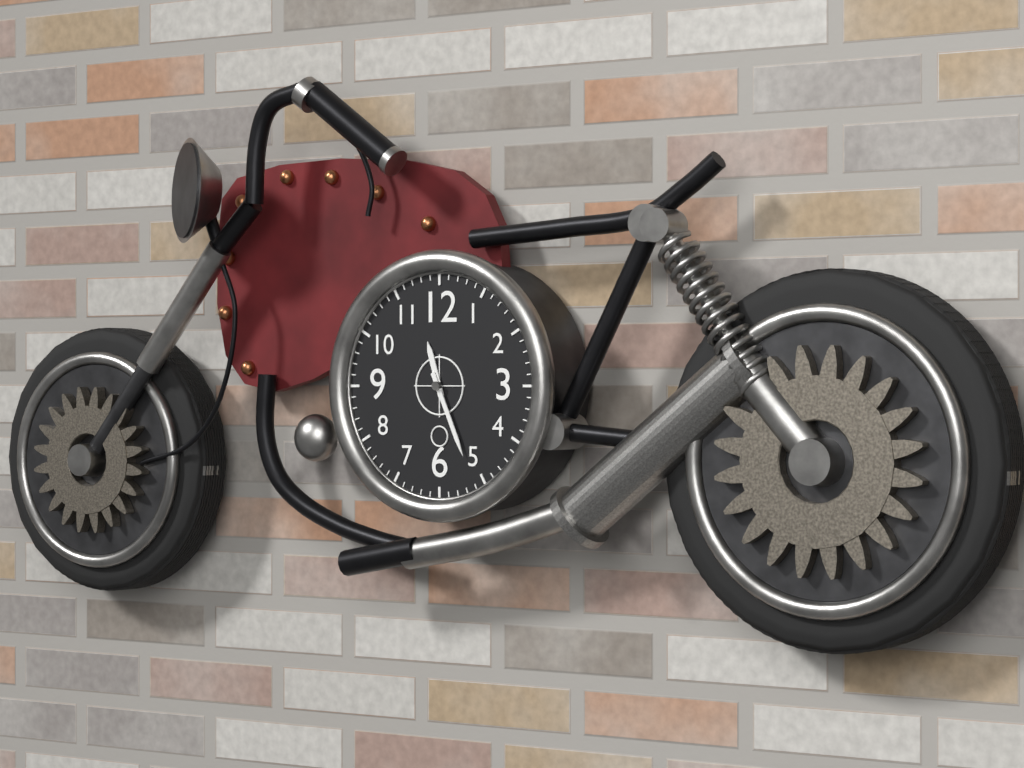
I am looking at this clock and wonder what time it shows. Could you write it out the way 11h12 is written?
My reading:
11h26
